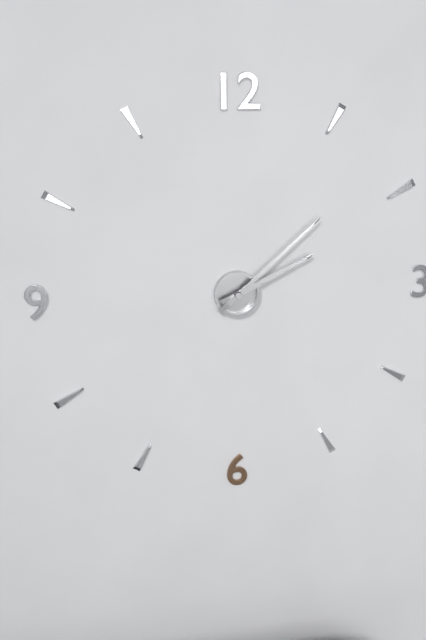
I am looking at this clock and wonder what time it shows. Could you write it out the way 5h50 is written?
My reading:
2h08
